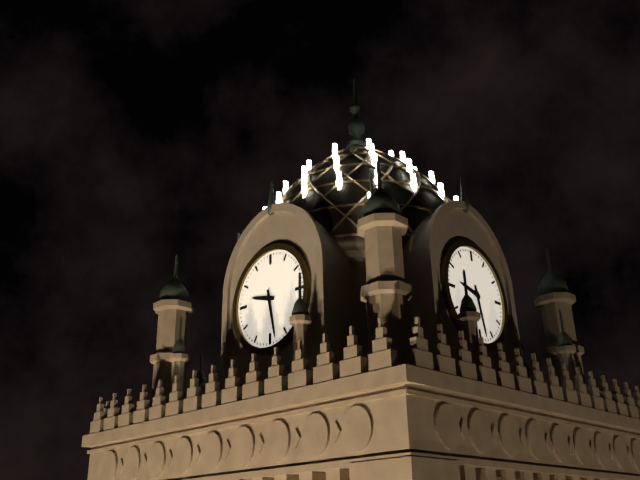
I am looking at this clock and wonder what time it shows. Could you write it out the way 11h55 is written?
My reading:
9h28
